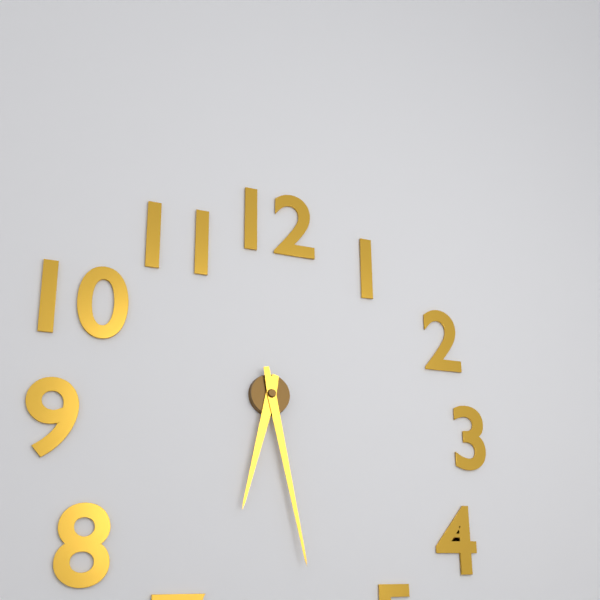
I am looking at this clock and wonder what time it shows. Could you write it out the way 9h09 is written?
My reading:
6h28
